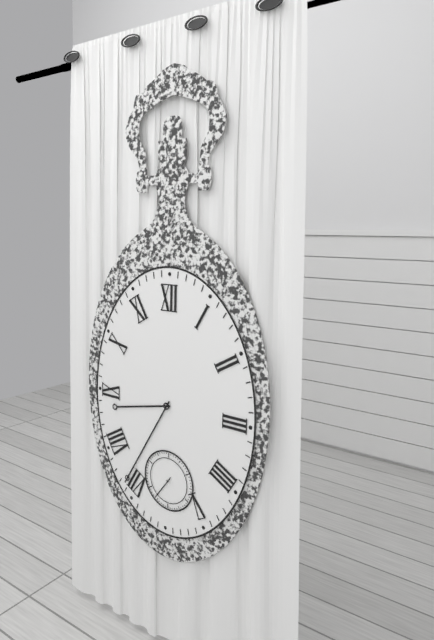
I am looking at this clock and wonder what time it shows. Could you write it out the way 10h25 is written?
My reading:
8h35
